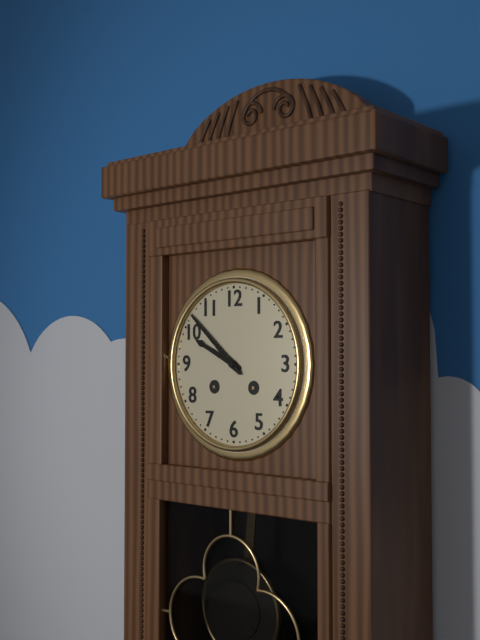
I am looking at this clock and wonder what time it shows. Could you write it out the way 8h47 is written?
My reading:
9h52
